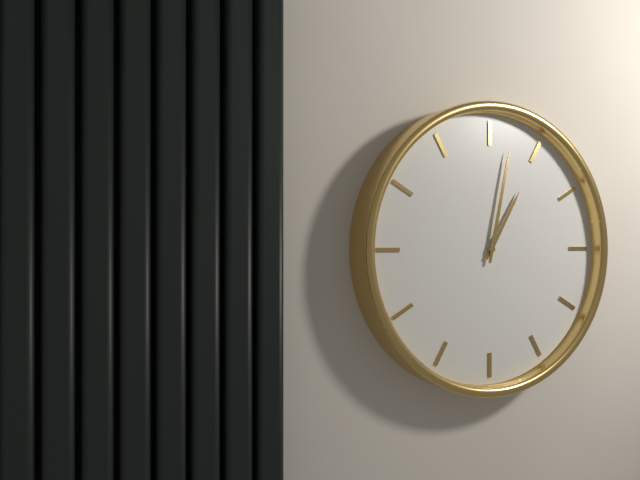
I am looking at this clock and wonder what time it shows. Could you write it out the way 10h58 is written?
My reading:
1h02
